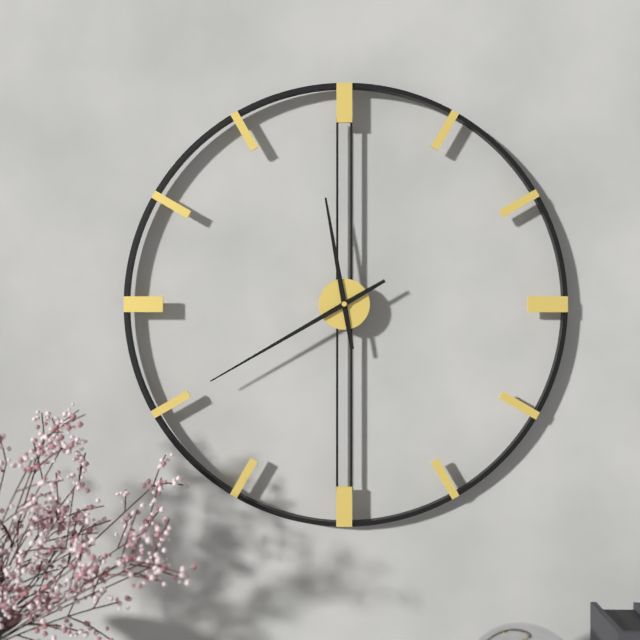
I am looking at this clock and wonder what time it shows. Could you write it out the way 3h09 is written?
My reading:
11h40
